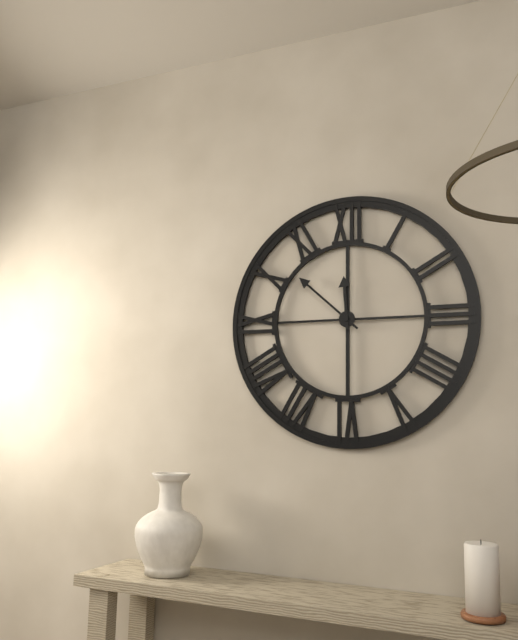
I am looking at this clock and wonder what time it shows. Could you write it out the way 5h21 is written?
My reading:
11h52
